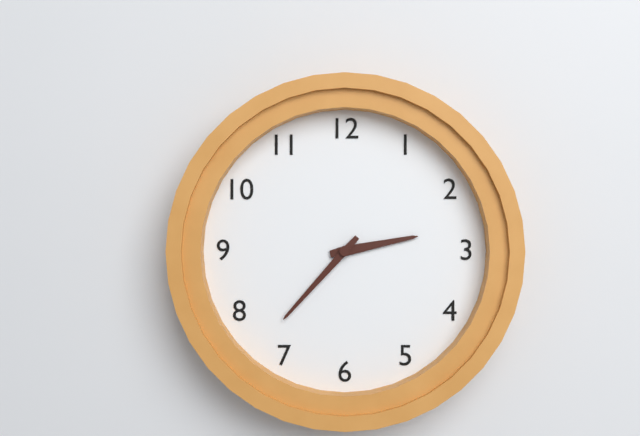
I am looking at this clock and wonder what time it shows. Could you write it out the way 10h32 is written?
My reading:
2h37
